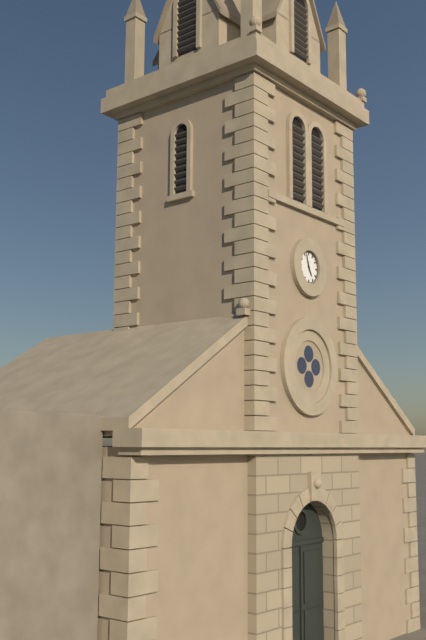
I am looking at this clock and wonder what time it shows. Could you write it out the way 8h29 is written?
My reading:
4h57
